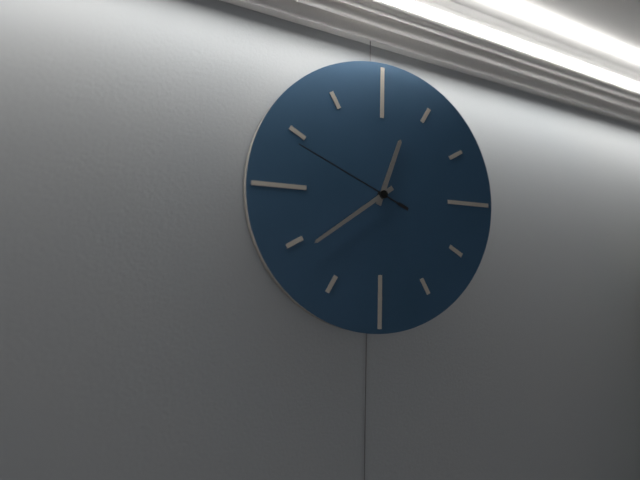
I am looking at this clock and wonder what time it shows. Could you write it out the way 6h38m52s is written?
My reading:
12h39m49s
